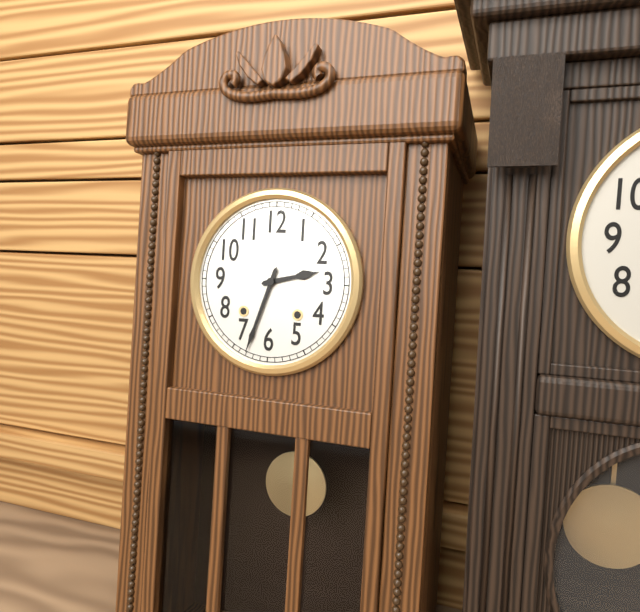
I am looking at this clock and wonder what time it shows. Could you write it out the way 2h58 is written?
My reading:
2h33
